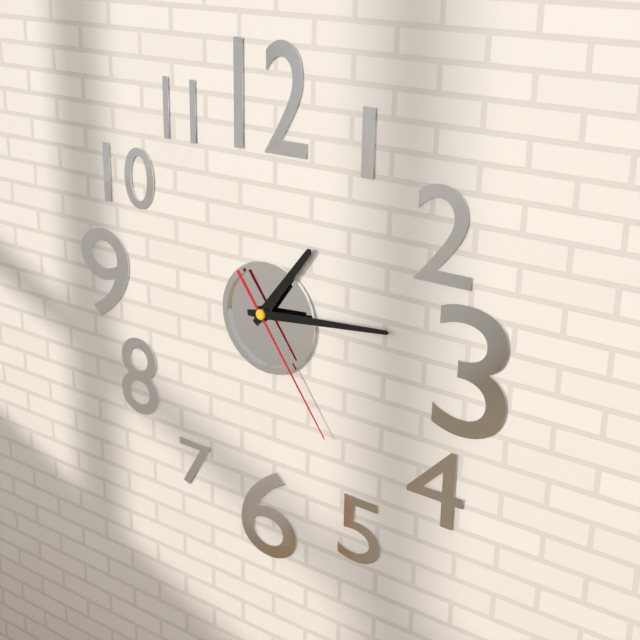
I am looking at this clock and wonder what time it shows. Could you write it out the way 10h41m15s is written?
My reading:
1h14m24s
